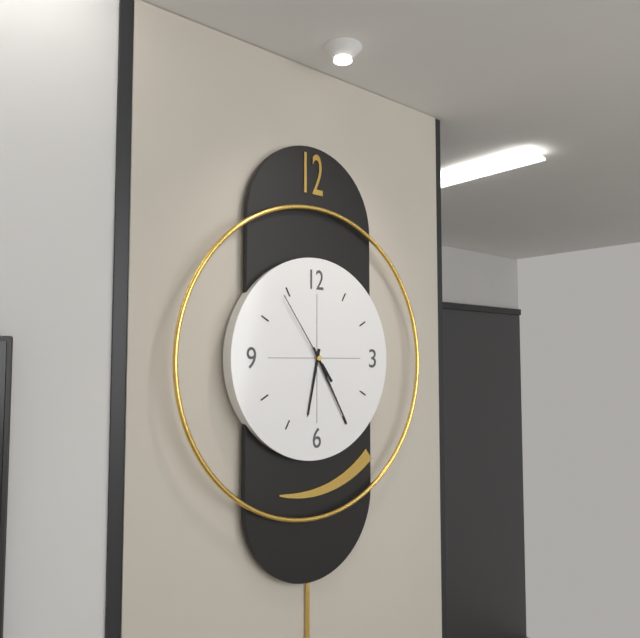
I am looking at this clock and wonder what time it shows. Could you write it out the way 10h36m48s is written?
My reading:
6h25m54s
